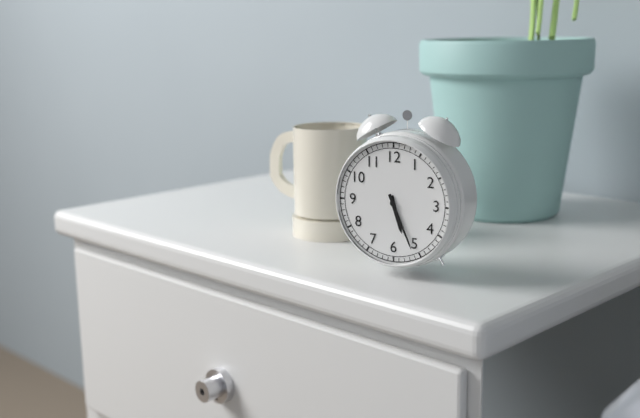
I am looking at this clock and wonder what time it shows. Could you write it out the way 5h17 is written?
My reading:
5h26
